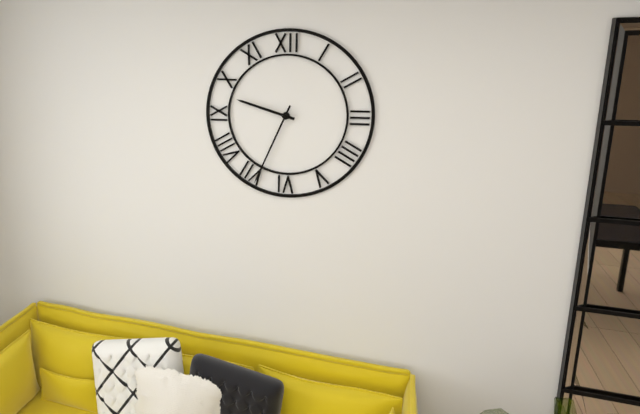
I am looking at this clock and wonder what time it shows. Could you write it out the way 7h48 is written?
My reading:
9h34
